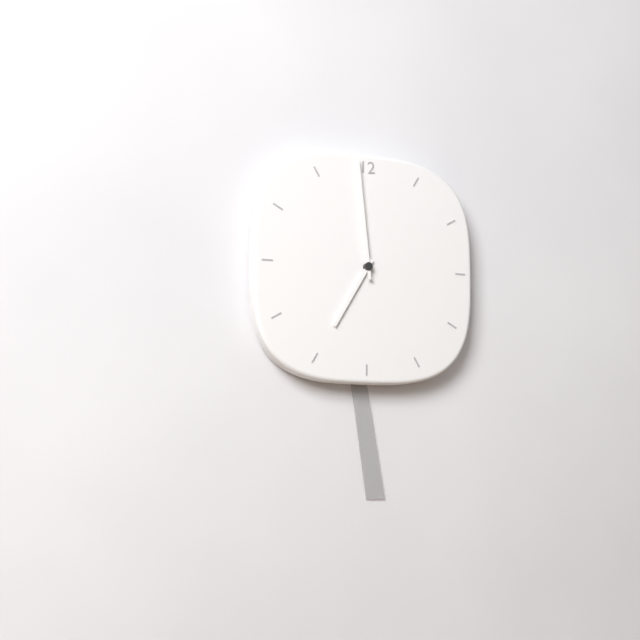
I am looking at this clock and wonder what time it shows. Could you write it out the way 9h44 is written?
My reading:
6h59
